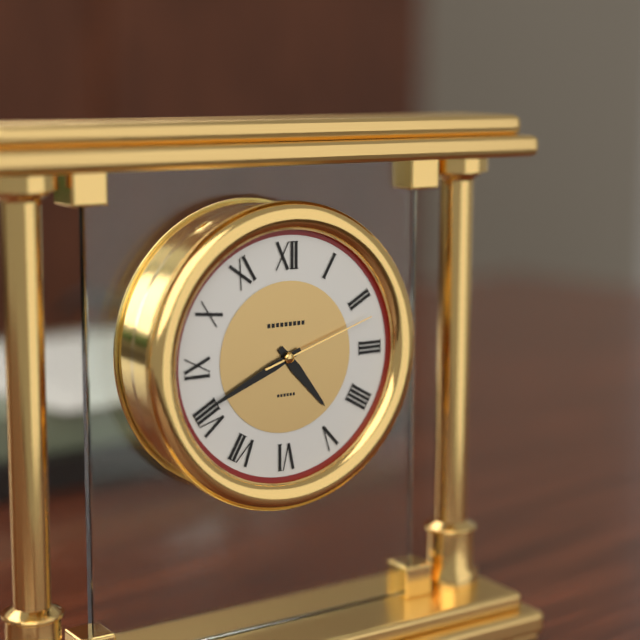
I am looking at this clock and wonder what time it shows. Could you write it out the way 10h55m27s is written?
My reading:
4h41m12s
